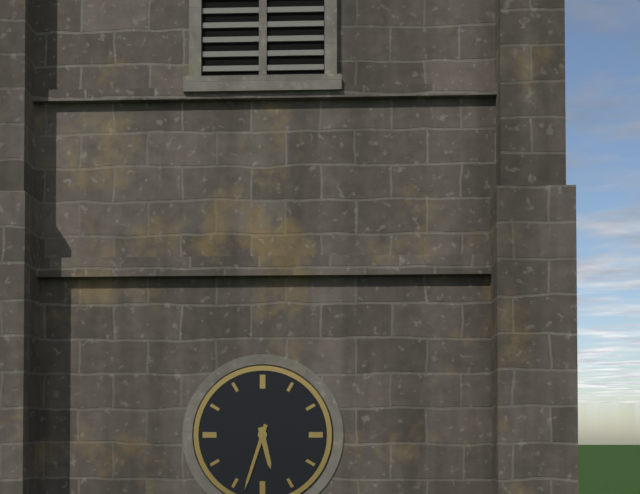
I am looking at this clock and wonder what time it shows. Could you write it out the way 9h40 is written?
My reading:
5h33
